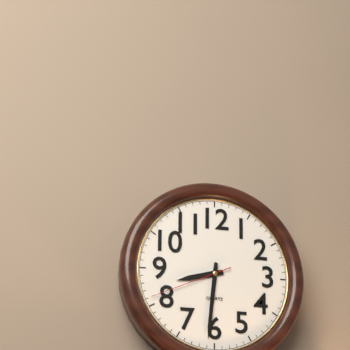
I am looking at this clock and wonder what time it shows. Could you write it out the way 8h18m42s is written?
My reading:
8h31m41s
